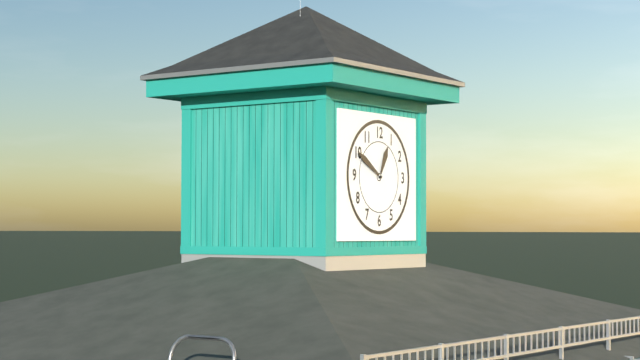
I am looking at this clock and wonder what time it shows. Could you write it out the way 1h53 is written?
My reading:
12h50
